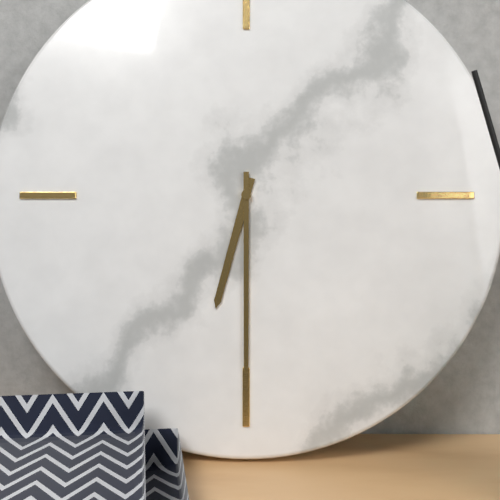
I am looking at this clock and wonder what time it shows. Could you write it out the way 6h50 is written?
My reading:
6h30
